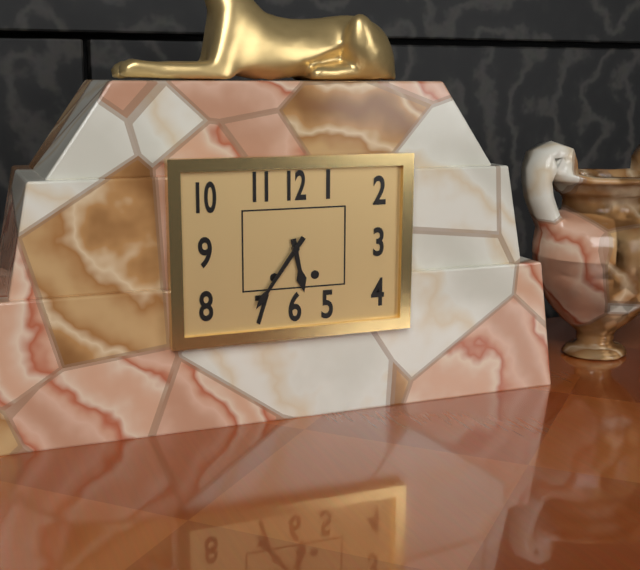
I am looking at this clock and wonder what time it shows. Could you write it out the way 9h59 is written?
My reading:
5h36
